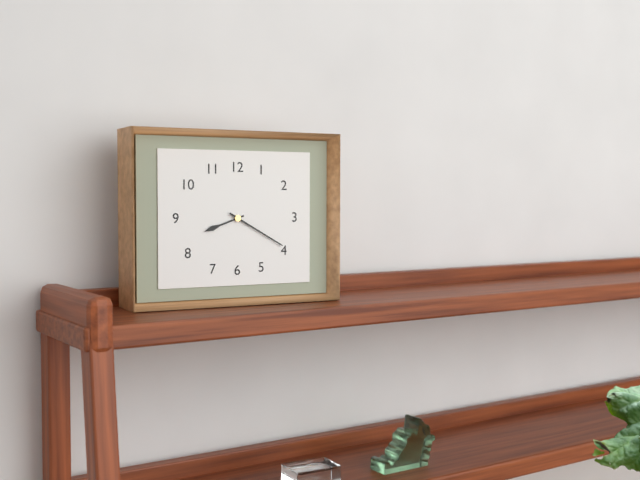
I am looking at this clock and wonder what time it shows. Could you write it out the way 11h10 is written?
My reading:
8h20
